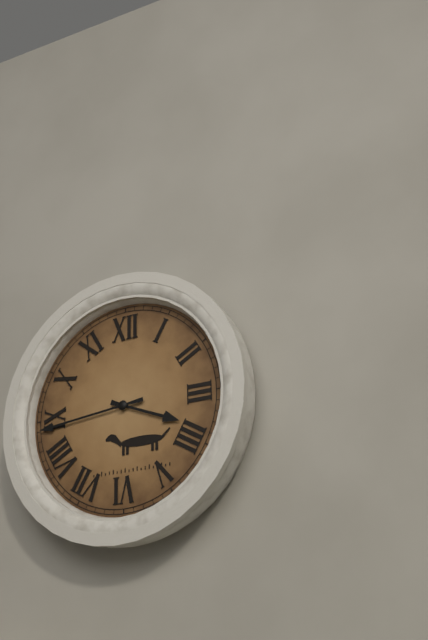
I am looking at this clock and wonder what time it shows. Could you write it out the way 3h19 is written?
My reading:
3h44
